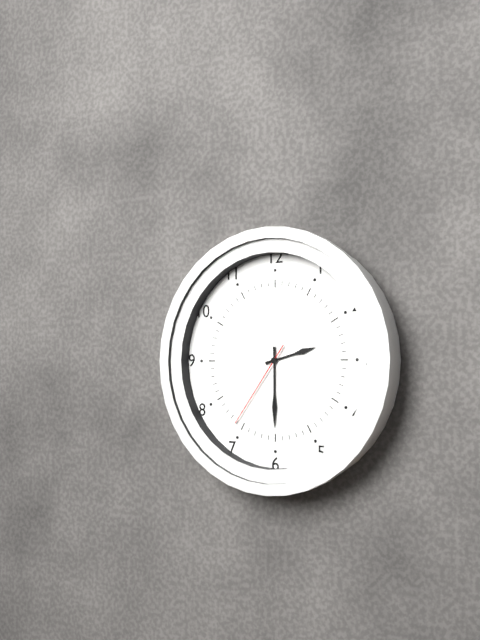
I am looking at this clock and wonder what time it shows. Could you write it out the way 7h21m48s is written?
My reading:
2h30m36s
